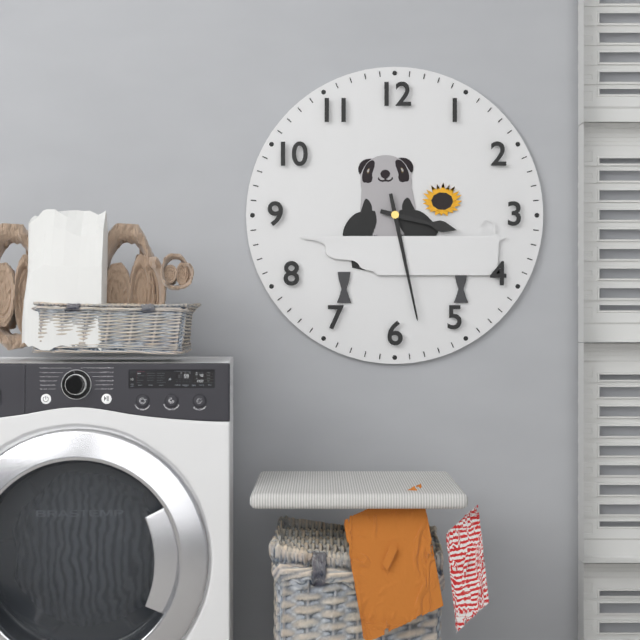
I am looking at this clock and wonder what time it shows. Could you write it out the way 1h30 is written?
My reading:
3h28
